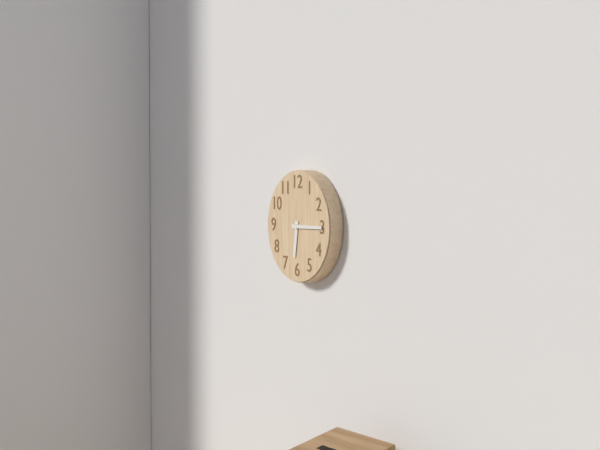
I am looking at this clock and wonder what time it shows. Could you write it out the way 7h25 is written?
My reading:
6h15
